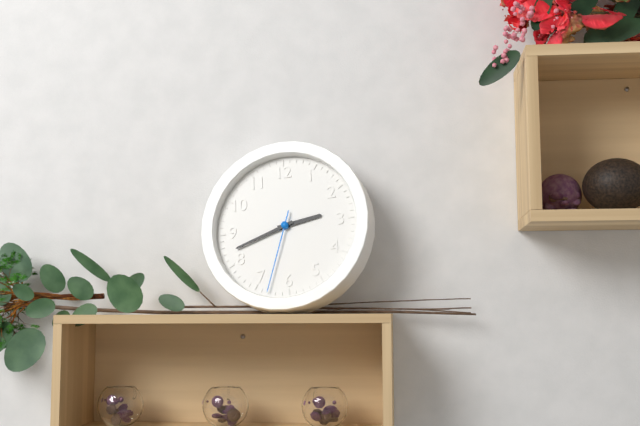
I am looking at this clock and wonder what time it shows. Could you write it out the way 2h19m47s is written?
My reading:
2h42m33s
